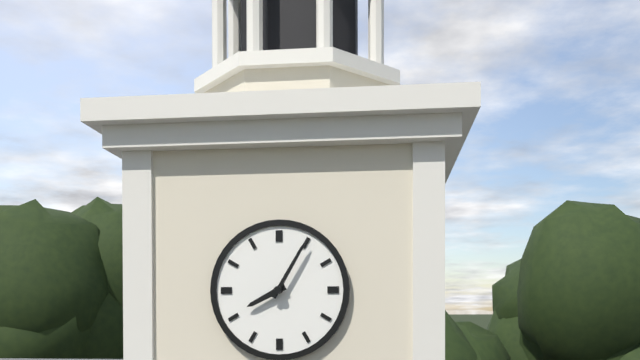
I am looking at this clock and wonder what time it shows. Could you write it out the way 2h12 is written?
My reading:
8h05
